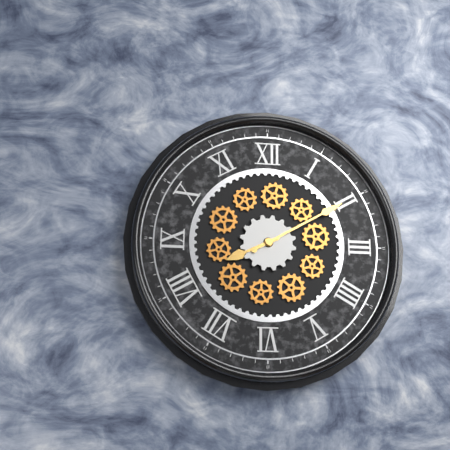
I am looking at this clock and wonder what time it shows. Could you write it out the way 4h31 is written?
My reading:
8h10
